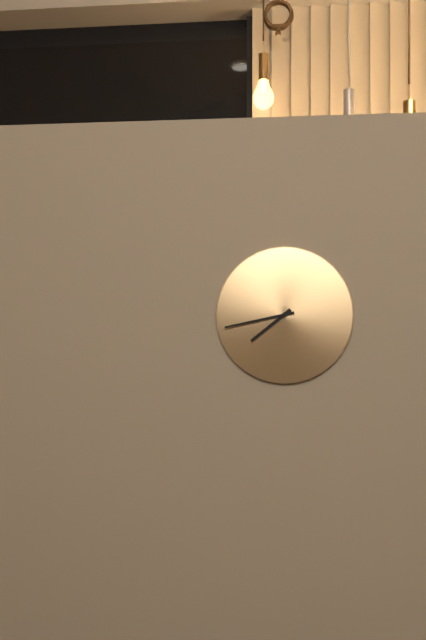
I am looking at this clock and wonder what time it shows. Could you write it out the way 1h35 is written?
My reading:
7h43
